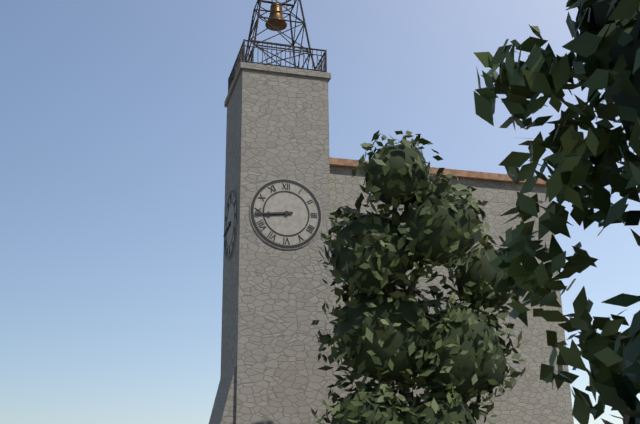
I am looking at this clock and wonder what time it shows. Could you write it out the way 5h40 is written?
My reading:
8h44
